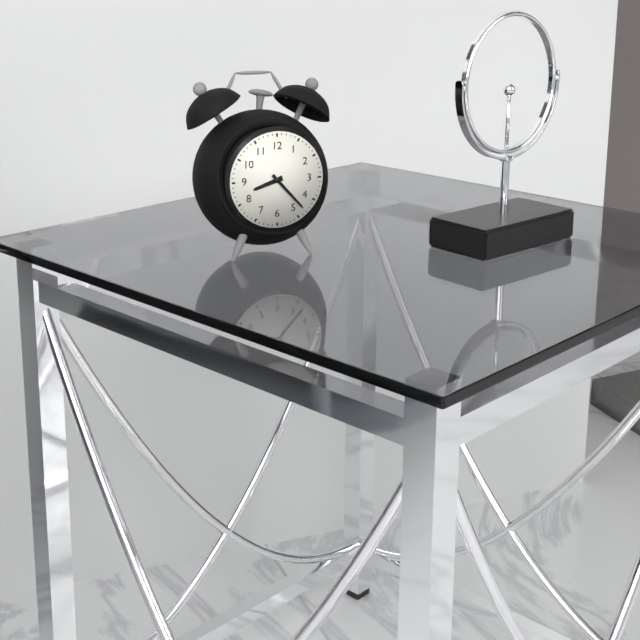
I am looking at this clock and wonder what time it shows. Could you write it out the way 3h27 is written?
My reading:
8h23
